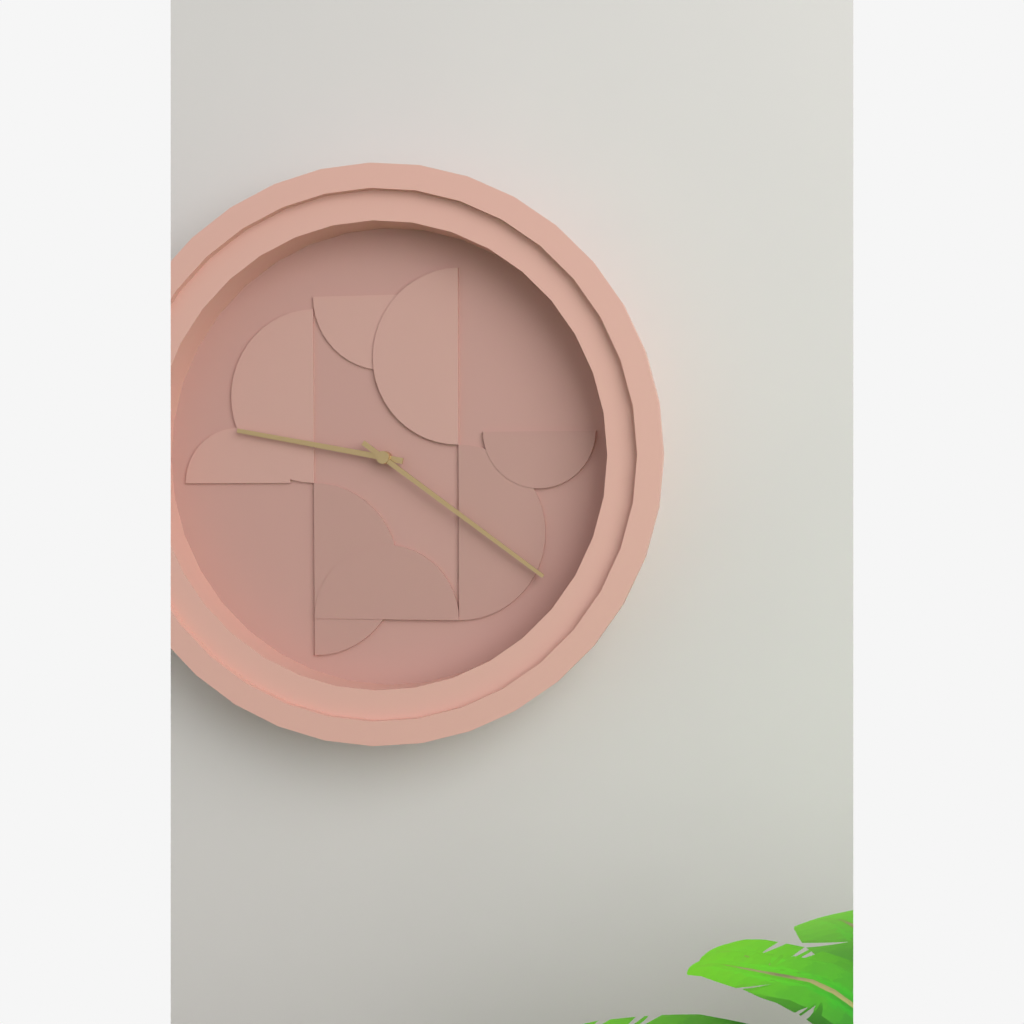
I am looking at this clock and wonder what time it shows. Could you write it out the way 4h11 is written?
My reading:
9h21
